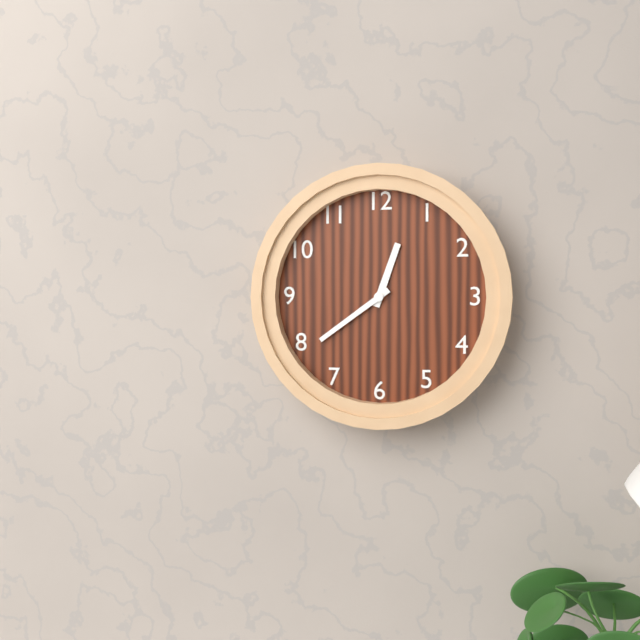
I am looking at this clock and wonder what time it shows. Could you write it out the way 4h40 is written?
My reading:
12h39
